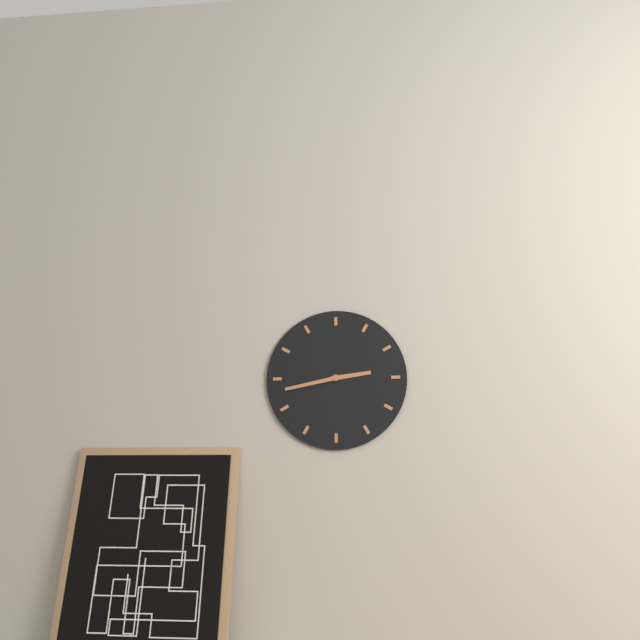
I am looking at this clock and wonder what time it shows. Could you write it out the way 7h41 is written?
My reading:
2h43
